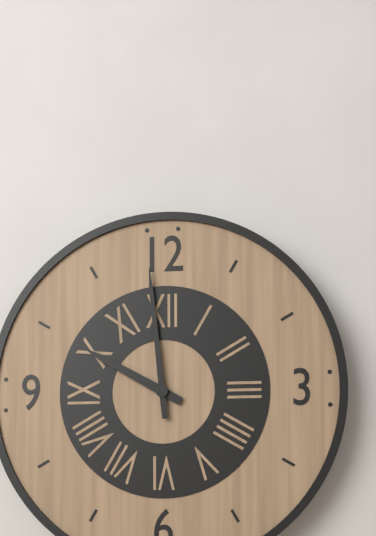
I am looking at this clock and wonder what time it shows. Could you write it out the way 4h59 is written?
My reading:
9h59
